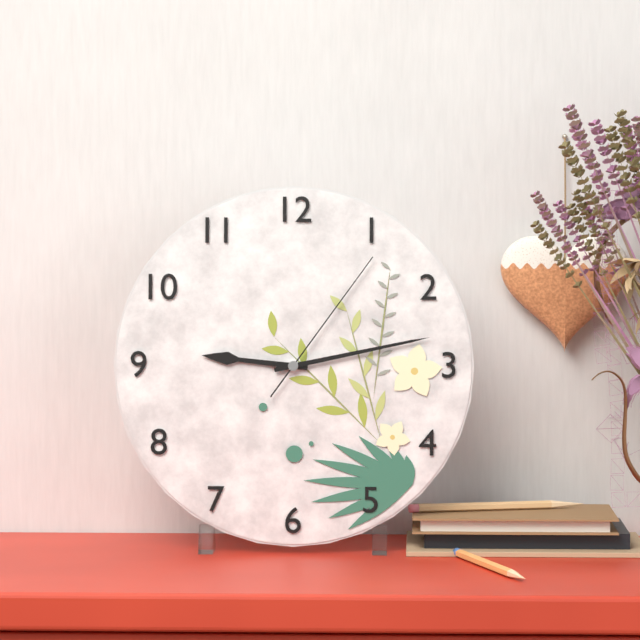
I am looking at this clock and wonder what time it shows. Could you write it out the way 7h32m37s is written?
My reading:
9h13m06s
